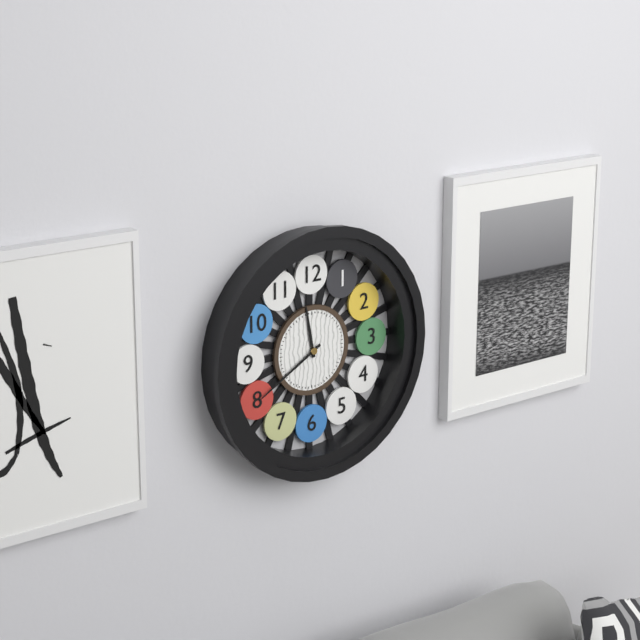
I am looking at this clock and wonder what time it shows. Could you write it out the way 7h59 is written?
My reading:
11h40
